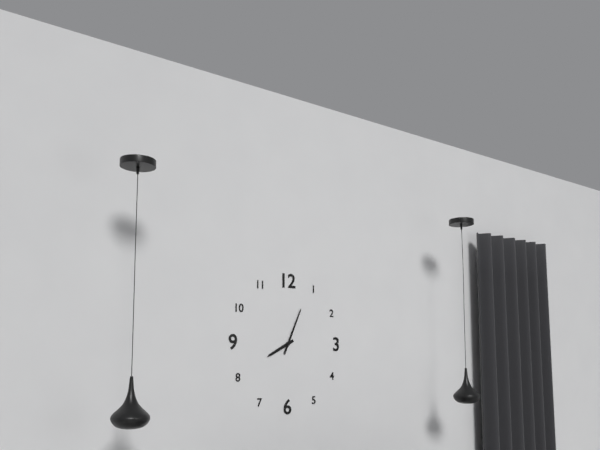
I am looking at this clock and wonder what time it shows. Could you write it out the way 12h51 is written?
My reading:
8h04
